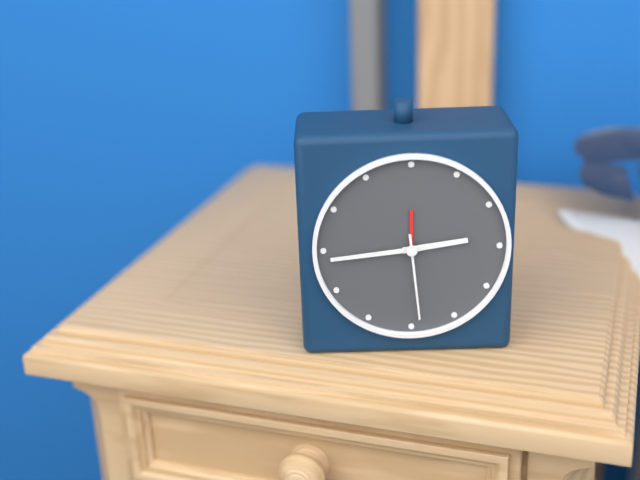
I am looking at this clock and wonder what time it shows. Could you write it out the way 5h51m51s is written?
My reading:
2h44m29s
